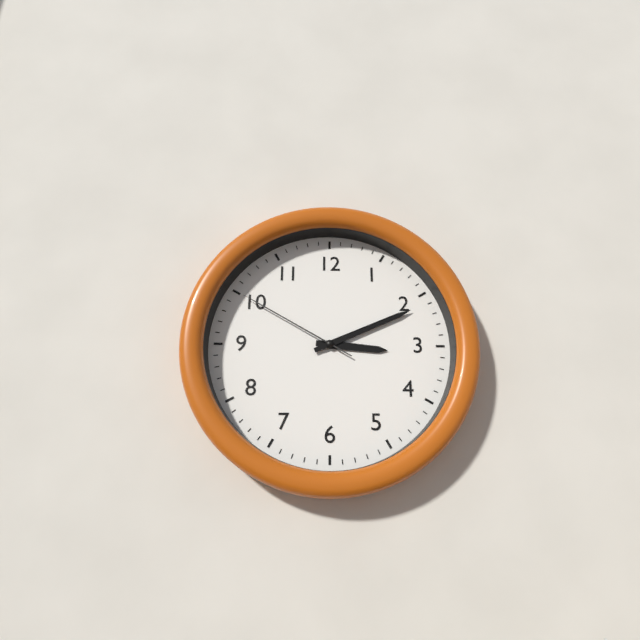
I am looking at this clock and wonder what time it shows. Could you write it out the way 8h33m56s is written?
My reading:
3h11m50s
